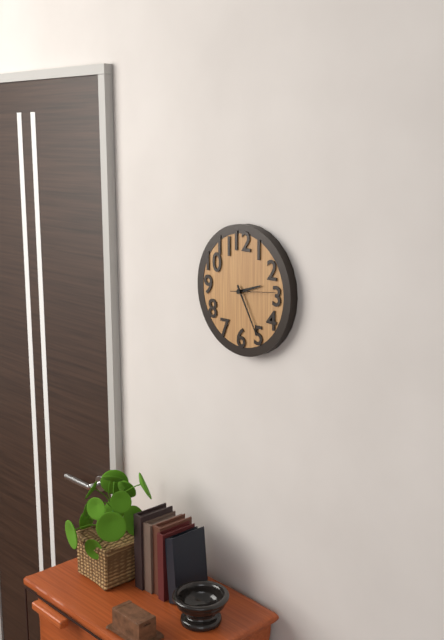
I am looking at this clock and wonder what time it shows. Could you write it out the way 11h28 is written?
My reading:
2h25
